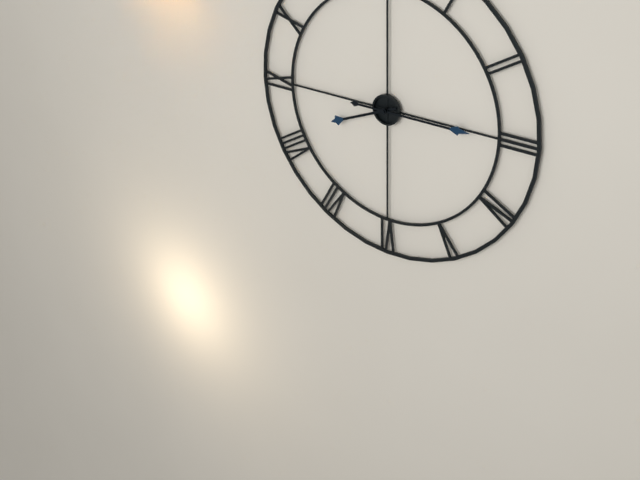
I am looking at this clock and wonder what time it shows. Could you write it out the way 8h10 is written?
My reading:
8h15
